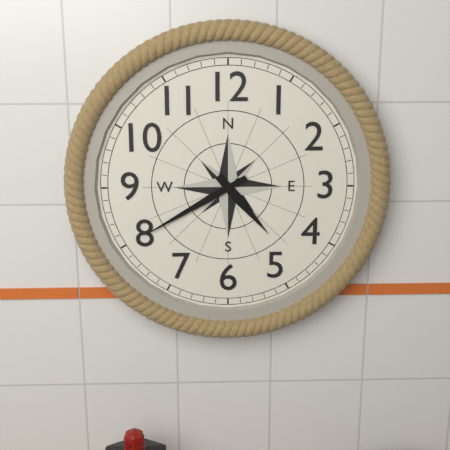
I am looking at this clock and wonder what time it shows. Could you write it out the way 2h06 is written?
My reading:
4h40
